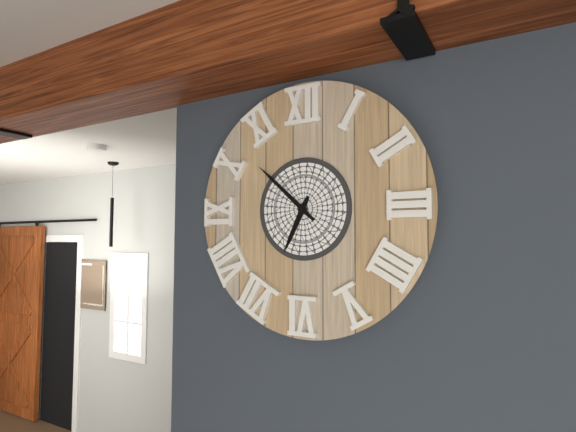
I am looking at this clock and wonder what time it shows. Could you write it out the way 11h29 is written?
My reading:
6h52
